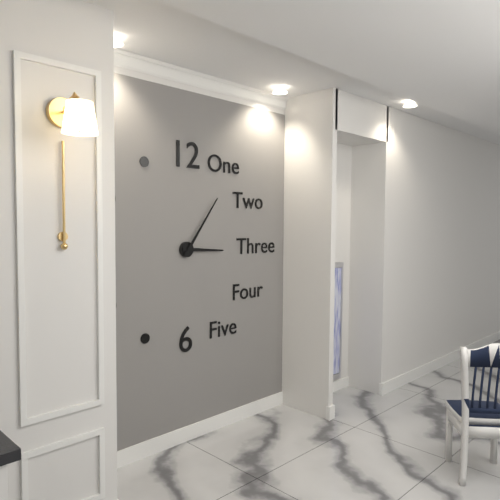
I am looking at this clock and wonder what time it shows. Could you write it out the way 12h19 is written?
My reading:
3h06
